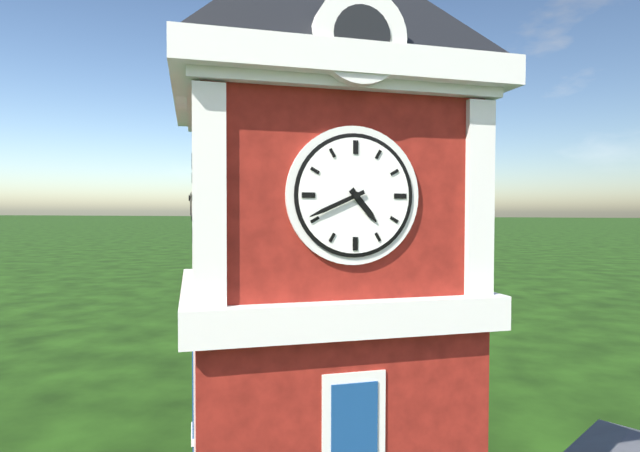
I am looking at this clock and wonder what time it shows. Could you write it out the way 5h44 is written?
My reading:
4h41
